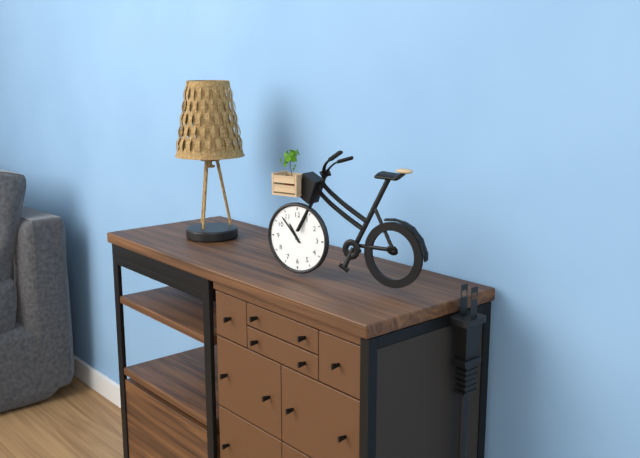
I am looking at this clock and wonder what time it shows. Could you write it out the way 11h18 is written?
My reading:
10h53
